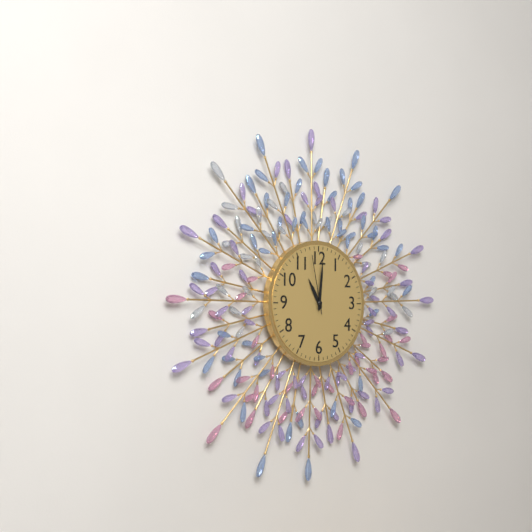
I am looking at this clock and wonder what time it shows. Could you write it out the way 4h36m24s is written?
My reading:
11h01m58s
